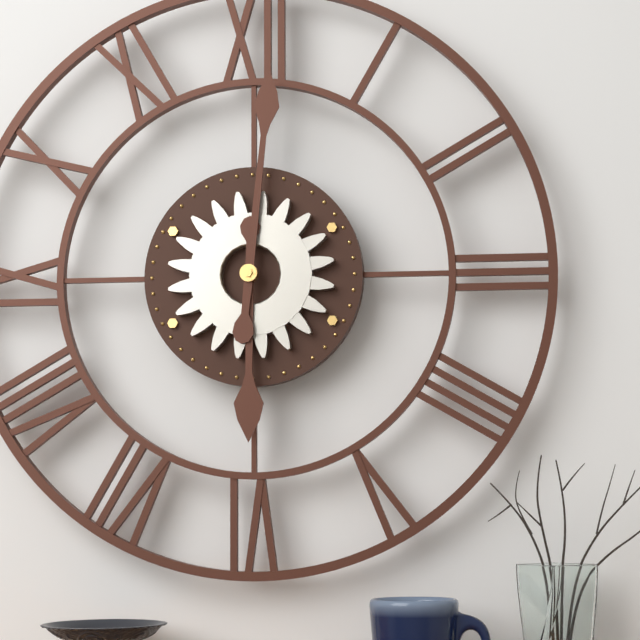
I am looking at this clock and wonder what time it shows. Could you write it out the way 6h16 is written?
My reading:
6h01
